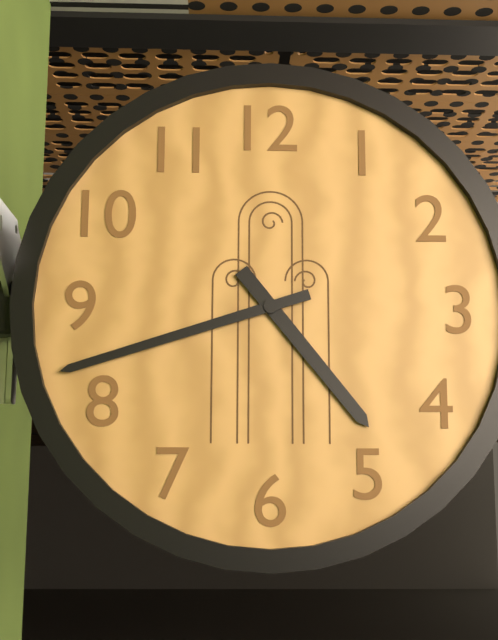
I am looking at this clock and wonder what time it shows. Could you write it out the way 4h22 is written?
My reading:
4h42
